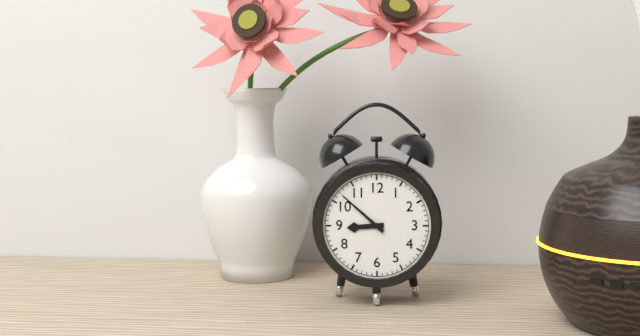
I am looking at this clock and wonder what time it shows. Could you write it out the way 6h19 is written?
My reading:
8h52
